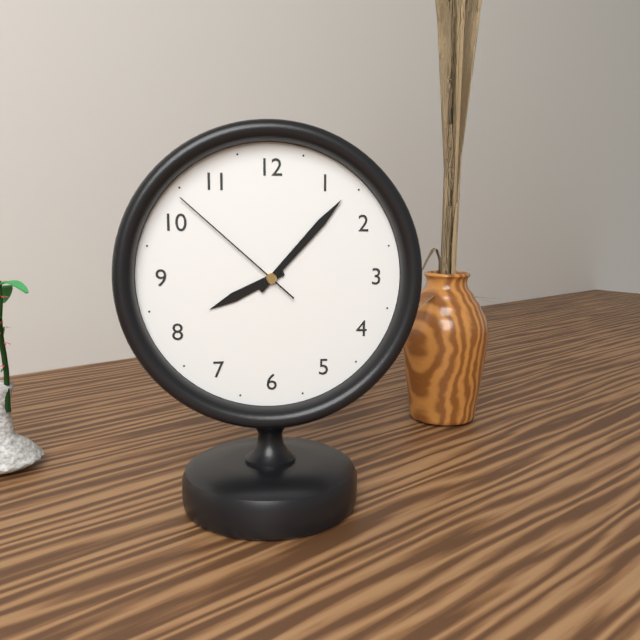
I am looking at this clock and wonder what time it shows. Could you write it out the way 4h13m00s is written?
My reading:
8h07m52s
